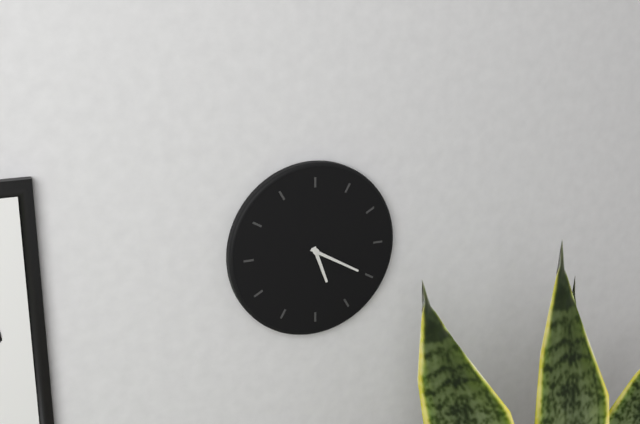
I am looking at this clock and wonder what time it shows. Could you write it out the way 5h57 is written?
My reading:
5h20
